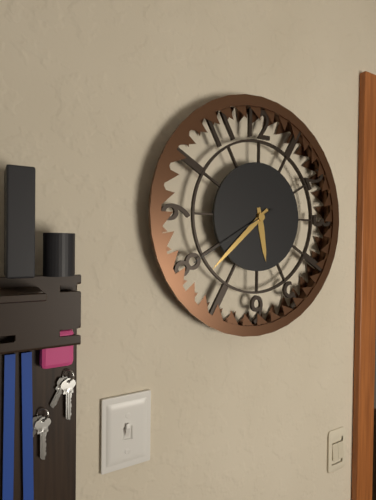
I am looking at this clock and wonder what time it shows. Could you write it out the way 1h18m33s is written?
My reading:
5h38m40s
